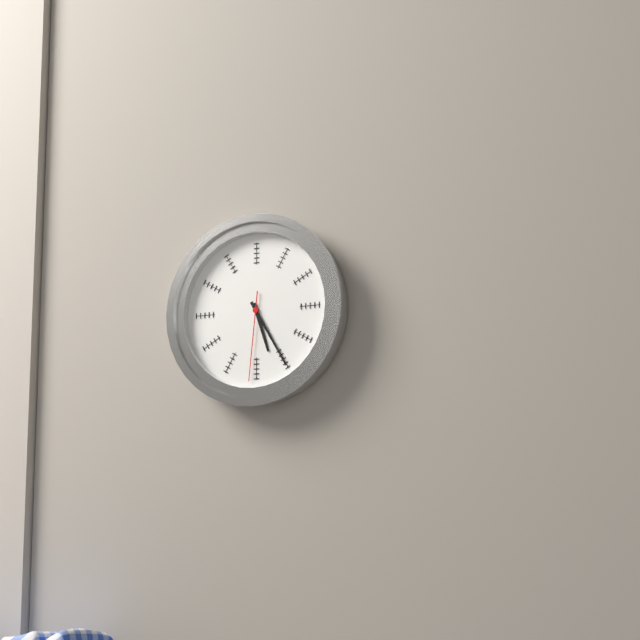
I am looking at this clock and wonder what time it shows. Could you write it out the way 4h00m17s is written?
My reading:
5h25m31s
